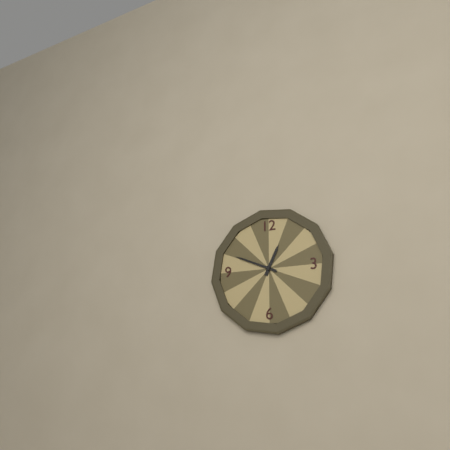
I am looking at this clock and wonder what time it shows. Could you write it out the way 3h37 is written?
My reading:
12h49
